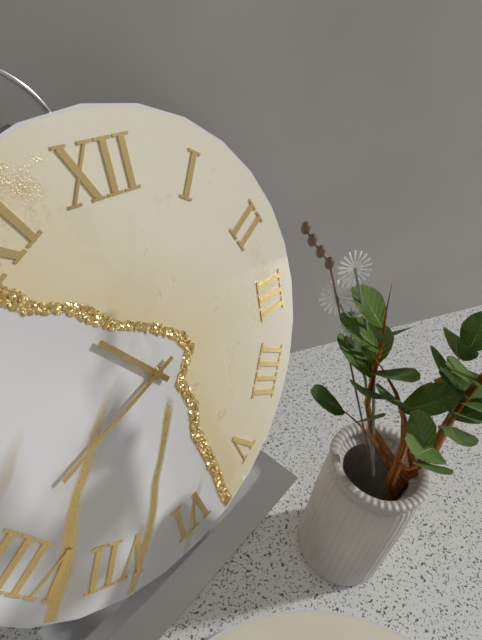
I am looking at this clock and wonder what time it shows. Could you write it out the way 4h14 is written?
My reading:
10h42
